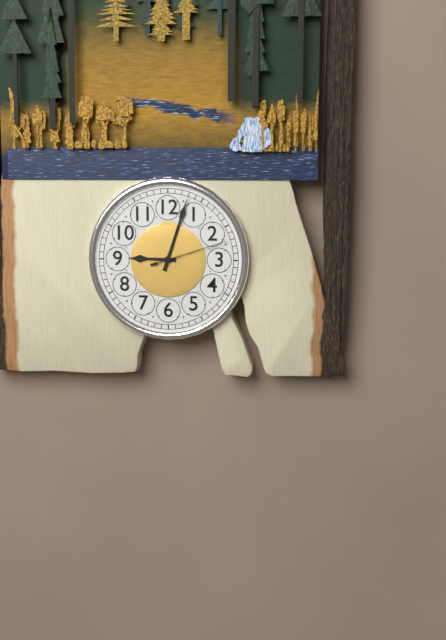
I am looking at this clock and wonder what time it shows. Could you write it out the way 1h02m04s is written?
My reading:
9h03m12s
